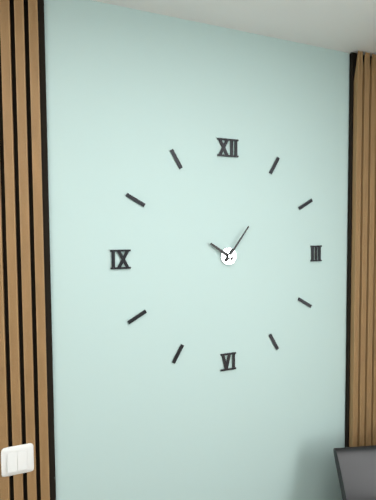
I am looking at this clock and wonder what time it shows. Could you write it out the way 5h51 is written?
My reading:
10h06
